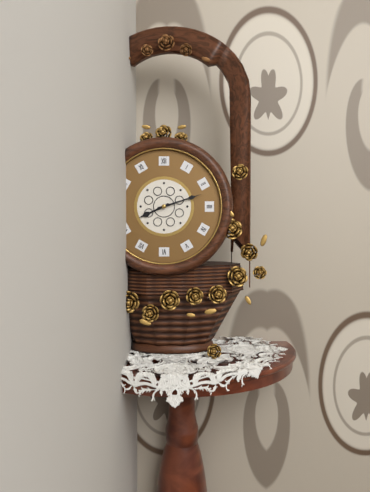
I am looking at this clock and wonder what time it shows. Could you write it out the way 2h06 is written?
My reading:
8h12
